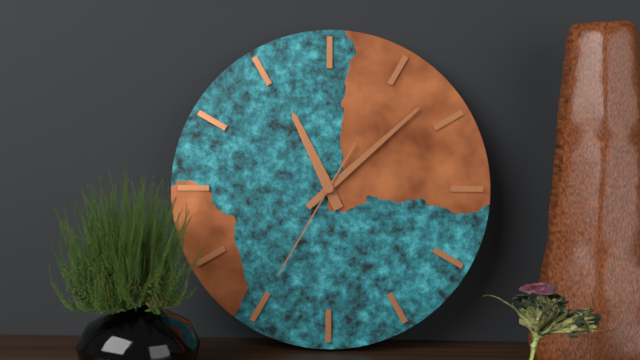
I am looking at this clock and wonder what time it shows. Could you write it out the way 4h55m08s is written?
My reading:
11h08m35s
